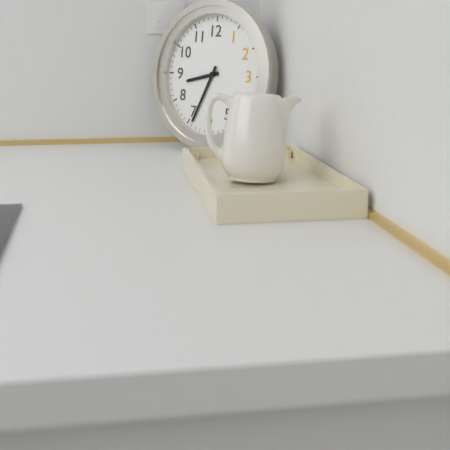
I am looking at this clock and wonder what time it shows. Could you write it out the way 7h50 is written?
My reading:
8h34
